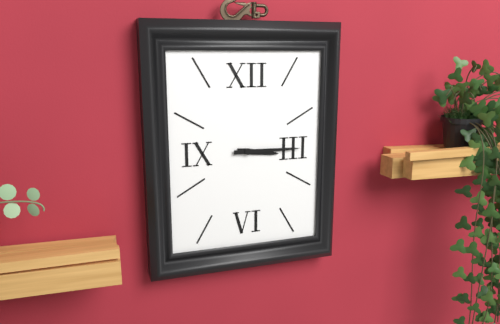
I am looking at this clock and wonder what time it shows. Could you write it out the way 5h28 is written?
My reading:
3h15
